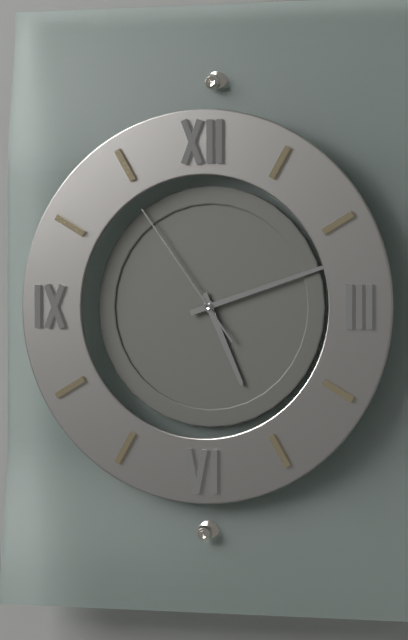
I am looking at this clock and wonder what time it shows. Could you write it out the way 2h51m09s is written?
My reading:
5h12m54s
